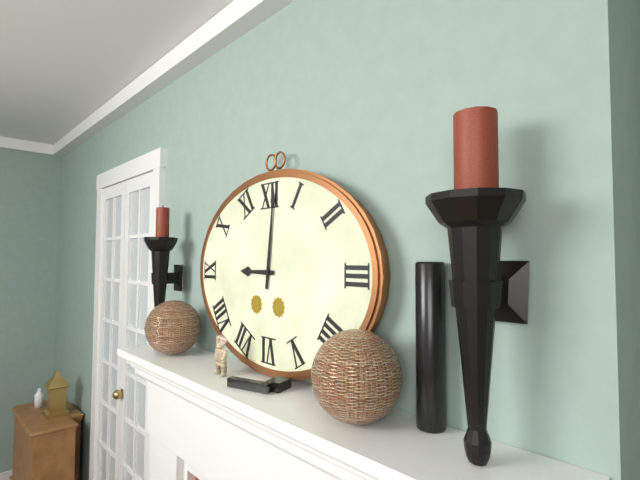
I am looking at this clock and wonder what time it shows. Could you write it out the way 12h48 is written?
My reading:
9h01
